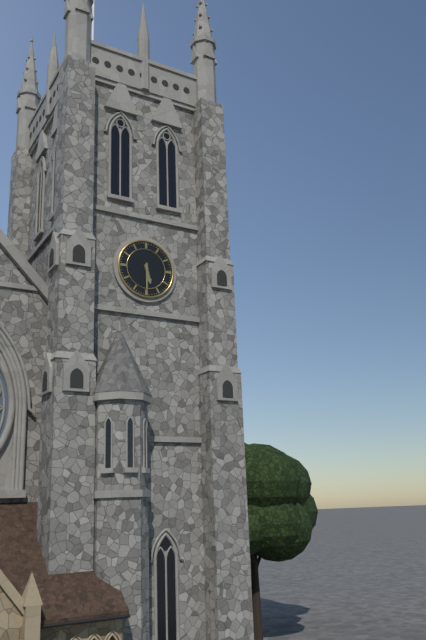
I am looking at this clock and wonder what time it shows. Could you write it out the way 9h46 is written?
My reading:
5h30
